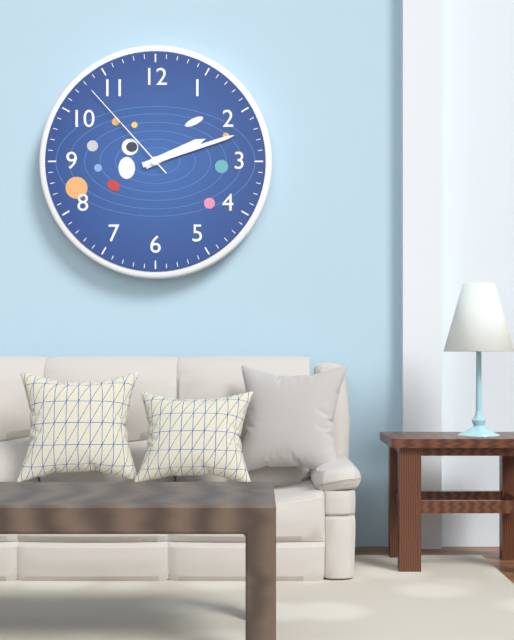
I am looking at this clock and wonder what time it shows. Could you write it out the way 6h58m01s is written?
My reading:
2h12m53s
